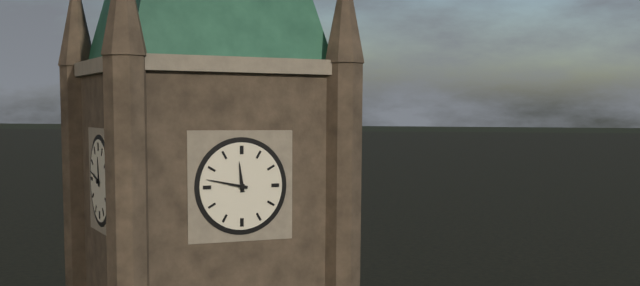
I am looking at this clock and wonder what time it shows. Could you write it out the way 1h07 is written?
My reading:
11h47
